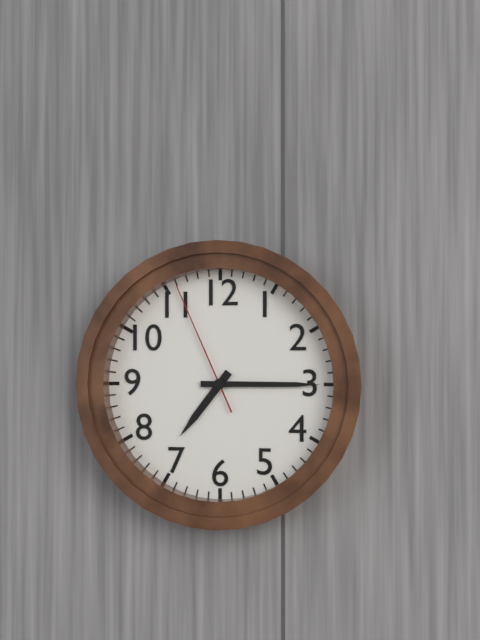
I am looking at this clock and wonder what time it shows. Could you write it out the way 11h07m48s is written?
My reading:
7h15m56s
